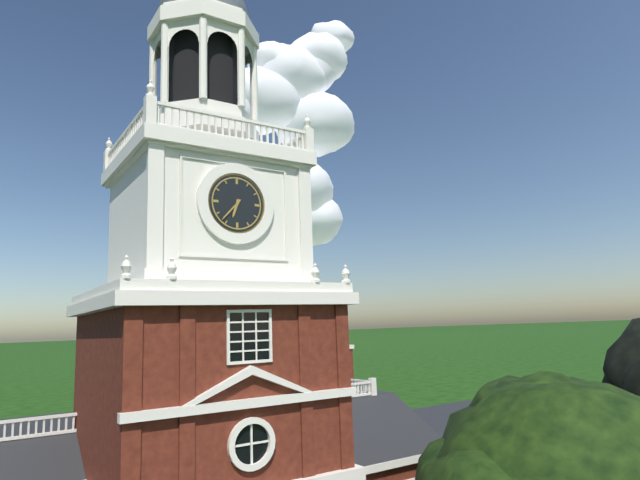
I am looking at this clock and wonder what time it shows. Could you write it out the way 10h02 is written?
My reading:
6h37
